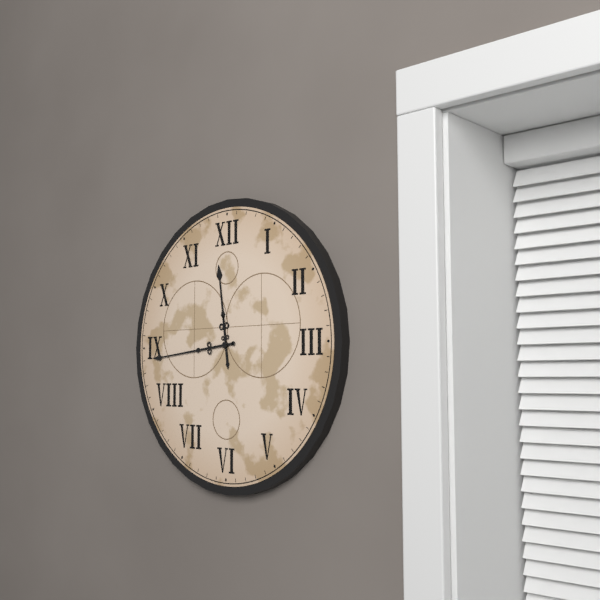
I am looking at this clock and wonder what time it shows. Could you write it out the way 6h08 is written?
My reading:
11h44
